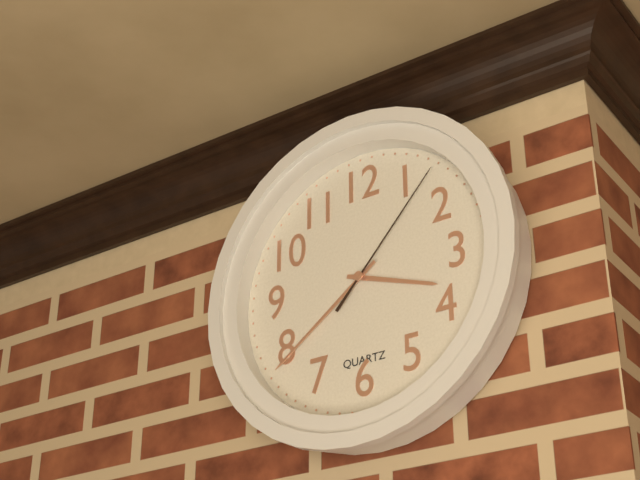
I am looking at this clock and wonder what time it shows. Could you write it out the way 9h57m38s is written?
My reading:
3h39m07s
